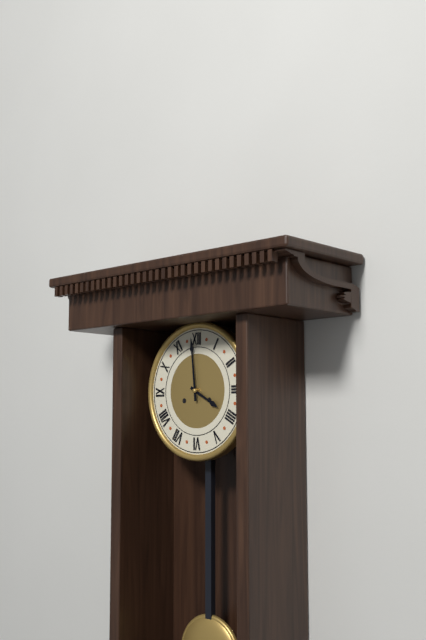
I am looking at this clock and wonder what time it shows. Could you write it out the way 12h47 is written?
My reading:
3h59
